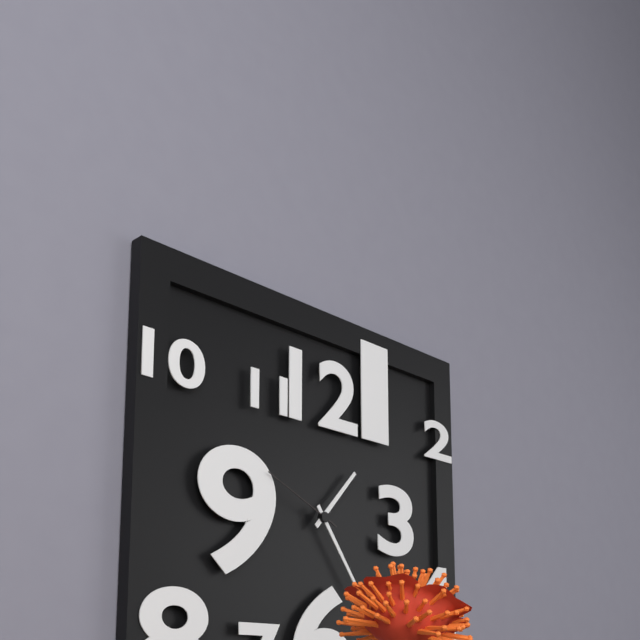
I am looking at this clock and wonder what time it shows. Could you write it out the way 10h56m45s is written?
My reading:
1h24m49s
